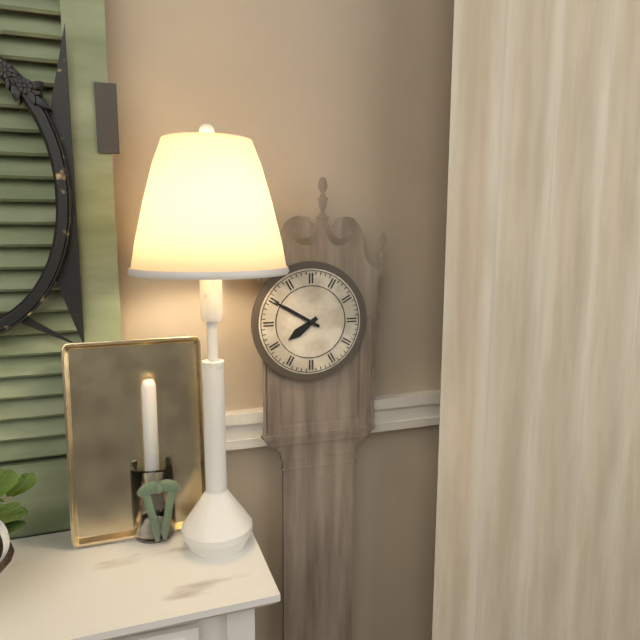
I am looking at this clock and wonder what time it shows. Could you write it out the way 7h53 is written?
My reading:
7h50
